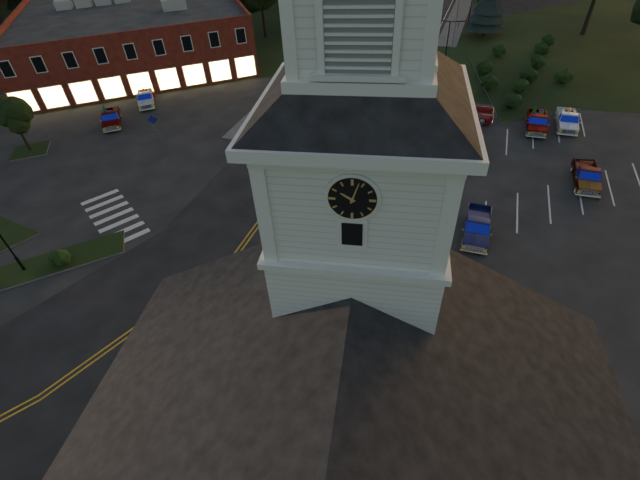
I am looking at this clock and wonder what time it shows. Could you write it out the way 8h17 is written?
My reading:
10h03
